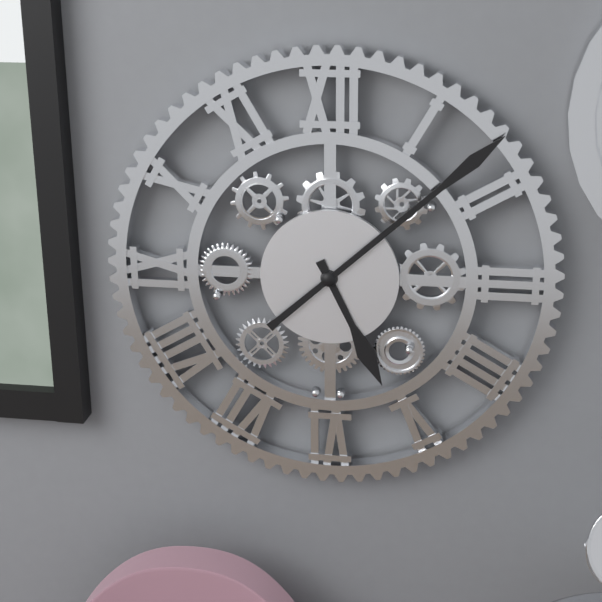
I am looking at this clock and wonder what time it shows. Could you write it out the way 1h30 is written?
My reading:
5h08
